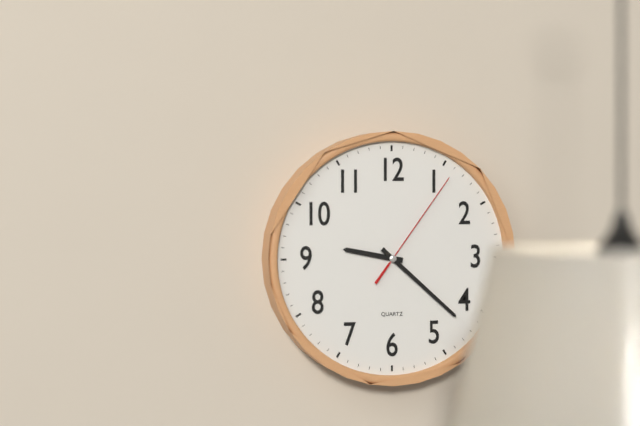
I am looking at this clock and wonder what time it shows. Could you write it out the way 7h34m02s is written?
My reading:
9h22m06s
